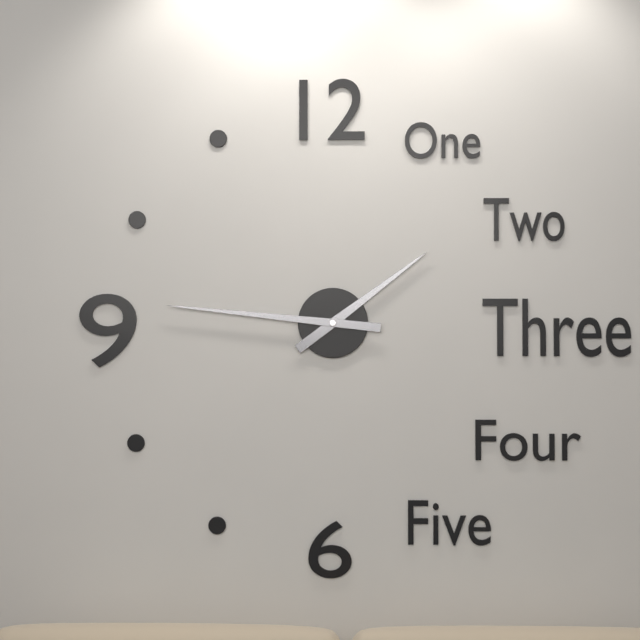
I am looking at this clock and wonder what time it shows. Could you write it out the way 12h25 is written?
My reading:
1h46
